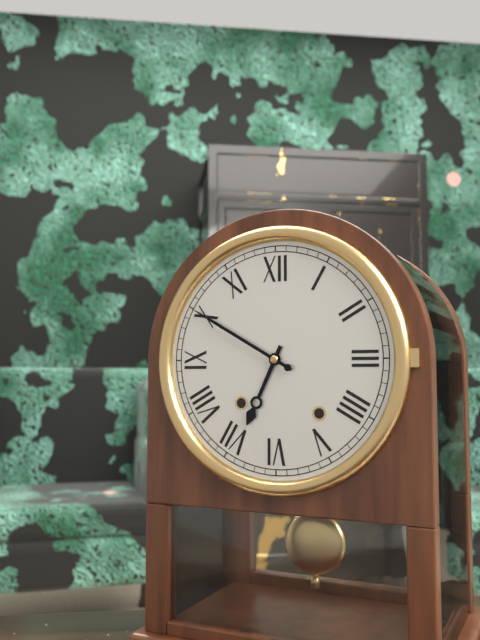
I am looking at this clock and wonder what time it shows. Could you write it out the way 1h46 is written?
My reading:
6h50
